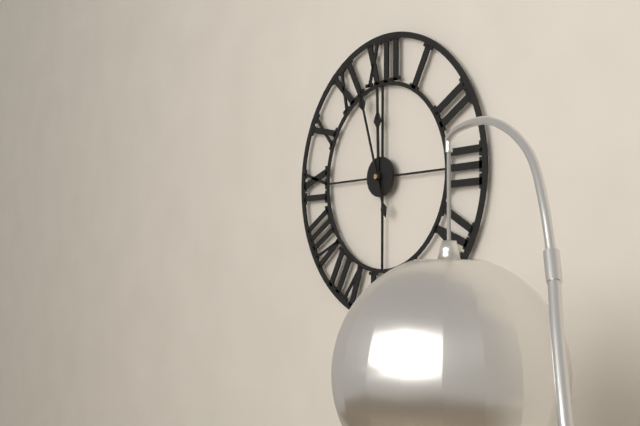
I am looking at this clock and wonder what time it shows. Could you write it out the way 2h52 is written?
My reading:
11h57
